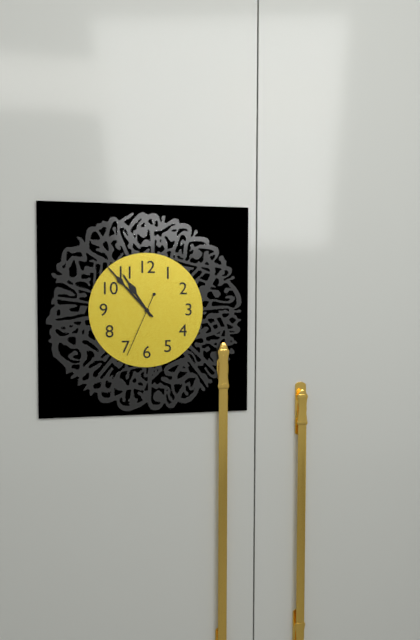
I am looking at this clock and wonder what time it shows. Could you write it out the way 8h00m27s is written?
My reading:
10h53m34s
